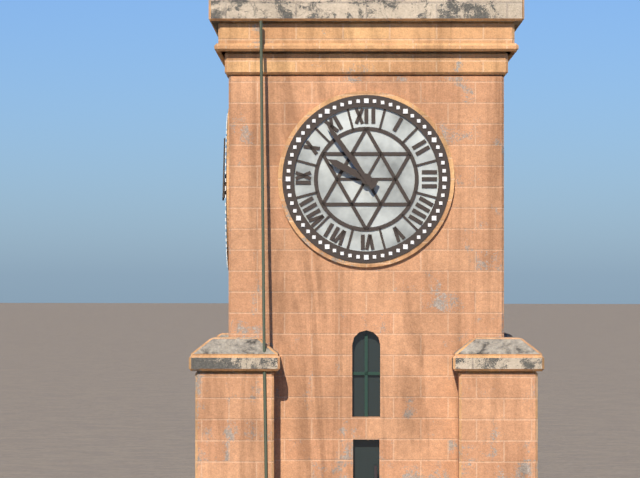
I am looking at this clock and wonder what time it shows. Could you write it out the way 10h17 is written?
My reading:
9h54
